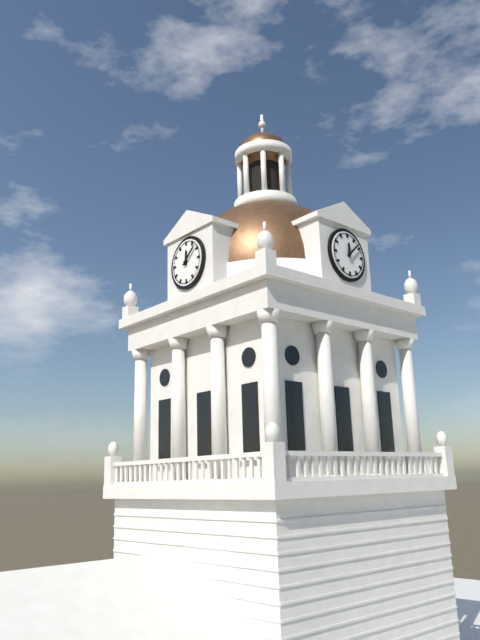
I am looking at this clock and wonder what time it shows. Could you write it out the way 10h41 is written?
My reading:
12h08
